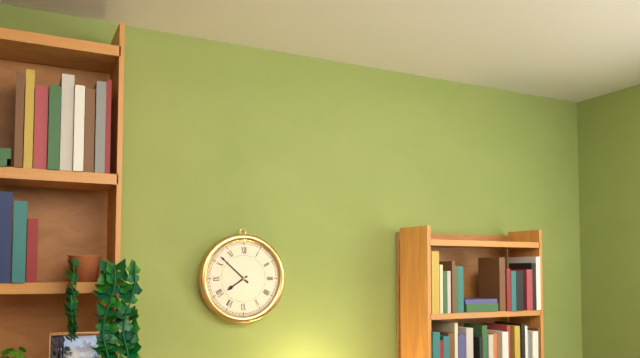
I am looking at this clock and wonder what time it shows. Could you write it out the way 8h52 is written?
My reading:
7h52
